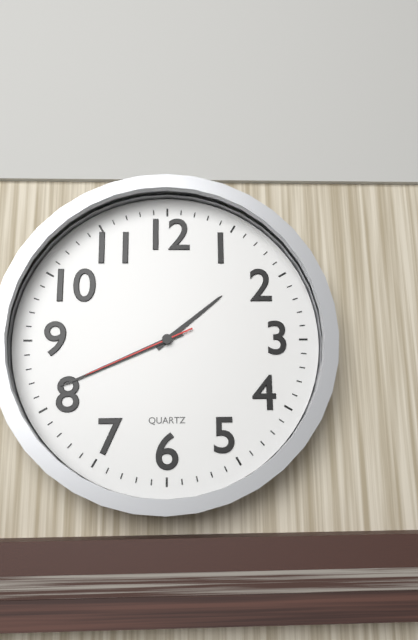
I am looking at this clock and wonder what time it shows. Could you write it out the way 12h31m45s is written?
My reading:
1h41m41s
